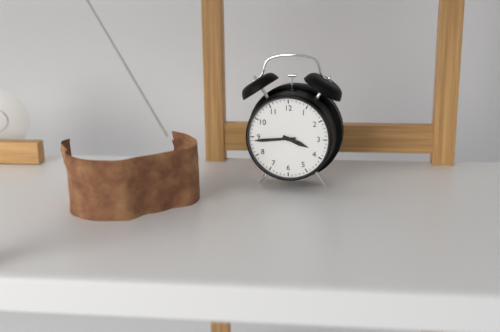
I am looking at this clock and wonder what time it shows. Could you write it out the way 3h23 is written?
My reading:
3h44
